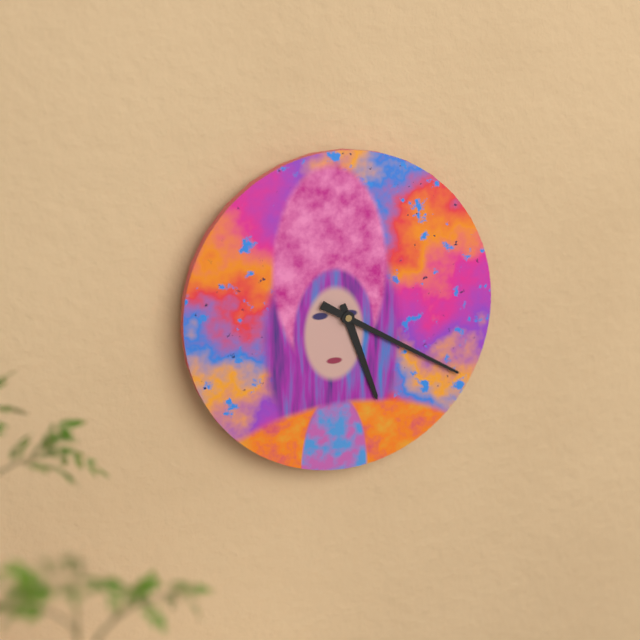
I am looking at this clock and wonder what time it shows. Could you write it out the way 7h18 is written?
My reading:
5h20
